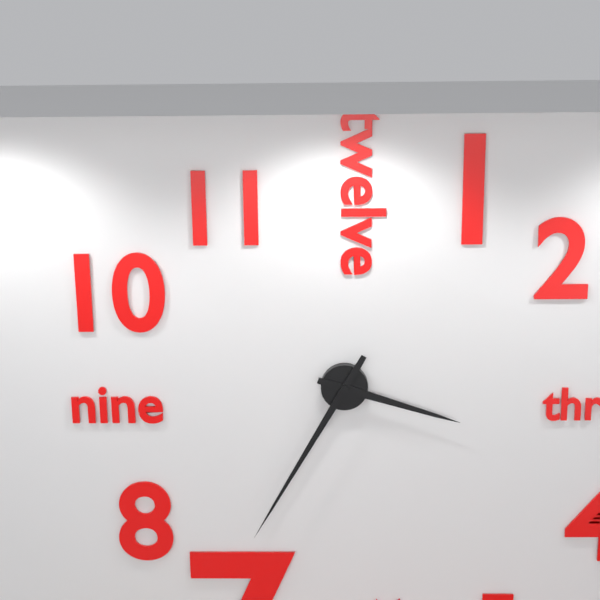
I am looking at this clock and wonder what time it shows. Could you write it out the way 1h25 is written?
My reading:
3h35
